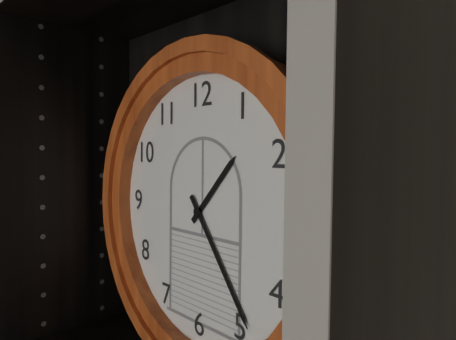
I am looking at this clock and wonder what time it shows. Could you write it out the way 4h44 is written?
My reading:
1h24
